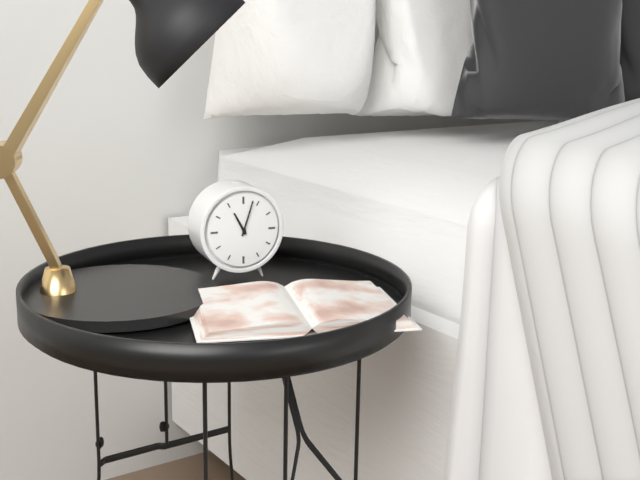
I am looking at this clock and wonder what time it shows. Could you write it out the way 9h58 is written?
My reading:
11h03
